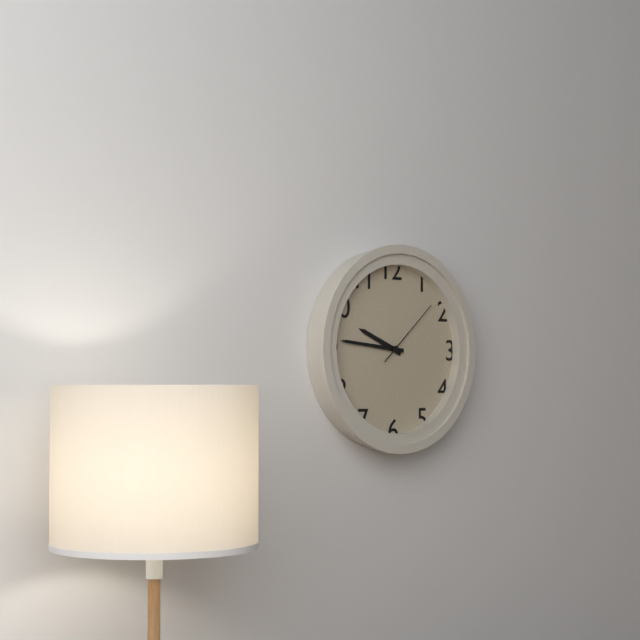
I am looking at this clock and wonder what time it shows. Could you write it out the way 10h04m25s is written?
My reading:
9h46m08s
